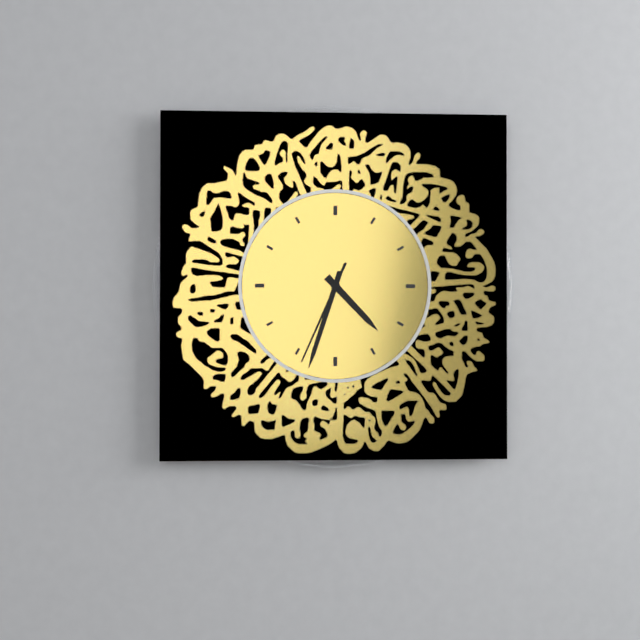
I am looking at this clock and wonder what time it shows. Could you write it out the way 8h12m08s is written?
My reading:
4h33m34s
